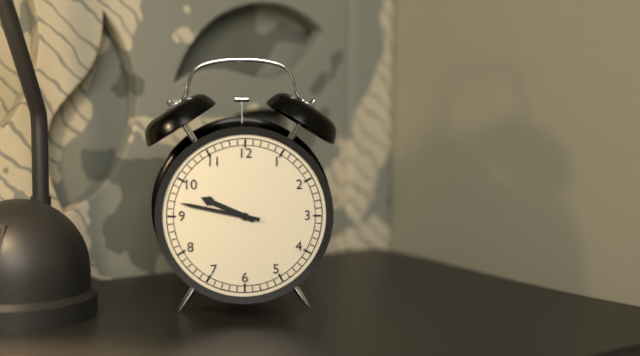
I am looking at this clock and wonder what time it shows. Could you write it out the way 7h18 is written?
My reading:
9h47
